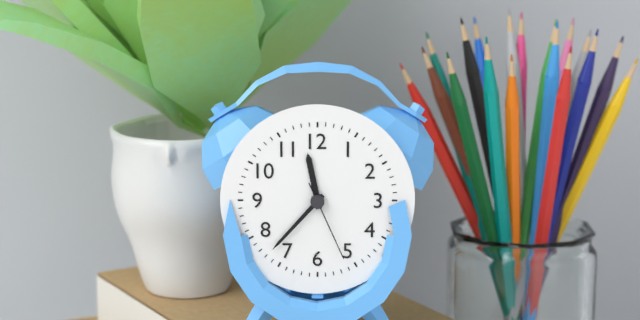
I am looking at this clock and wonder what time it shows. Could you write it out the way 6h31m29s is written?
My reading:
11h37m26s
